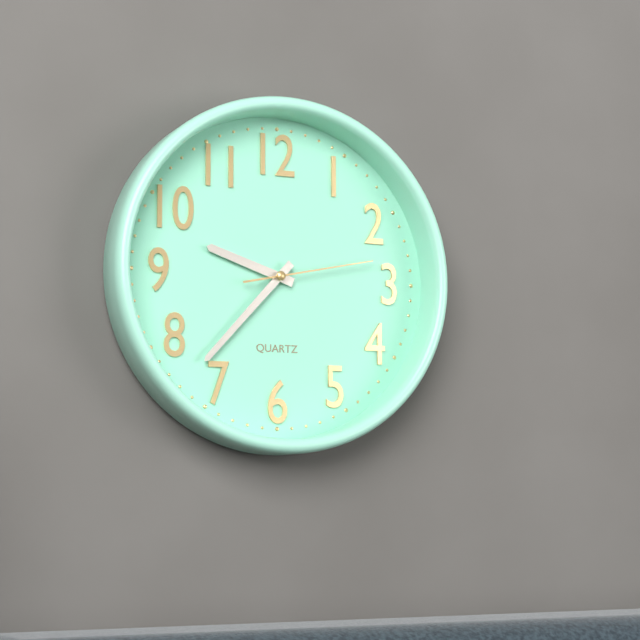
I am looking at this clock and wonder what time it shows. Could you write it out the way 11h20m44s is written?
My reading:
9h37m13s
